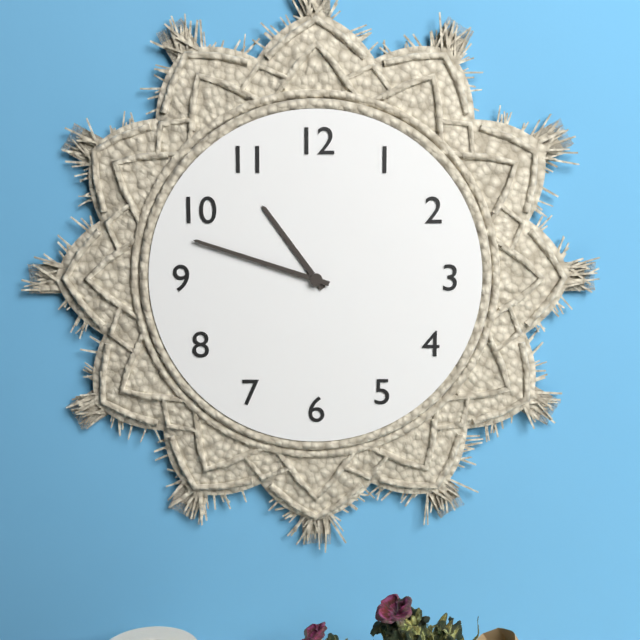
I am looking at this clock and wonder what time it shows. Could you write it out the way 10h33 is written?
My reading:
10h48
